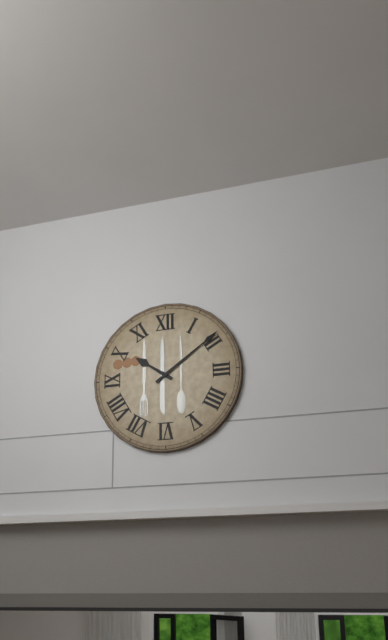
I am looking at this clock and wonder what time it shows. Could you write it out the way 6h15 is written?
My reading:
10h09
